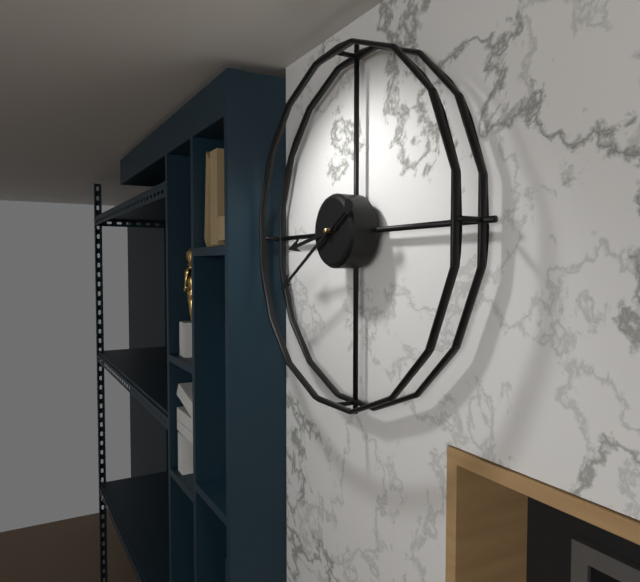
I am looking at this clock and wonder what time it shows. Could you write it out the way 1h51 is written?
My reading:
8h40
